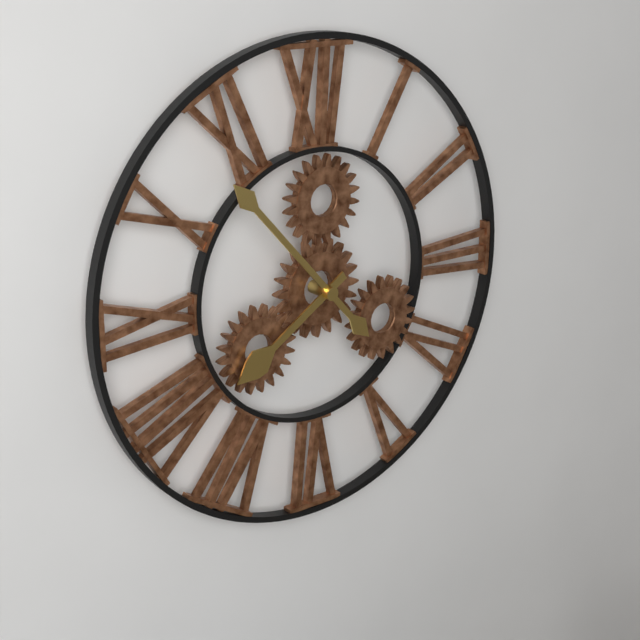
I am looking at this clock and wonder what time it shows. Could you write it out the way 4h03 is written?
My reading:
7h53
